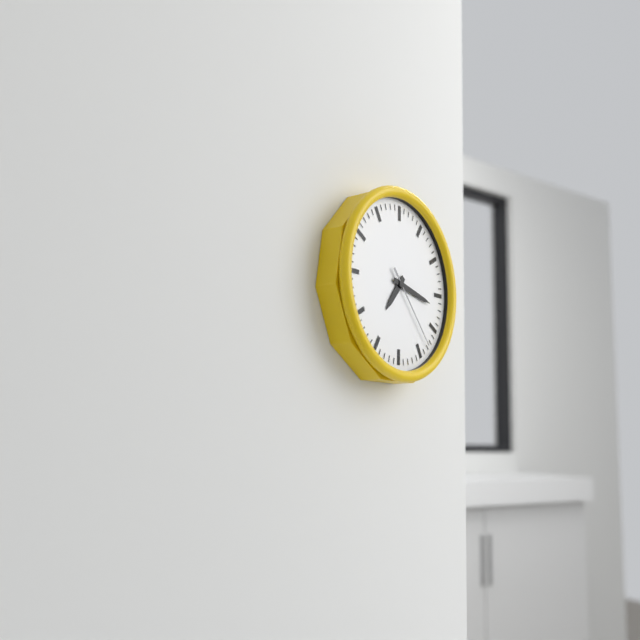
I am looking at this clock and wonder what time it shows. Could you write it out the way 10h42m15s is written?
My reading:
7h17m23s
